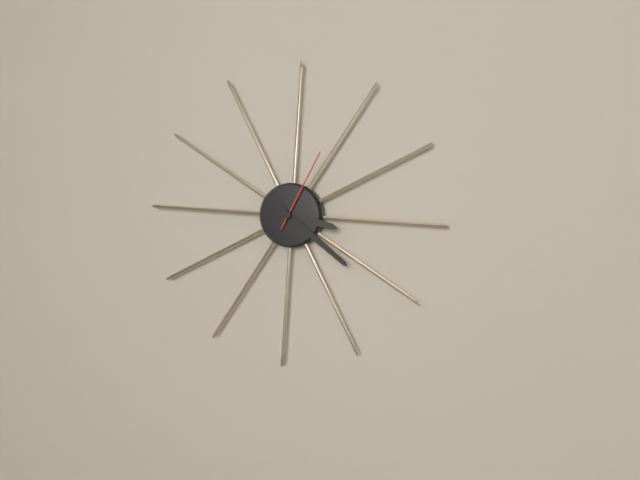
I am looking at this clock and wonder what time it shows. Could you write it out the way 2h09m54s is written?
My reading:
3h21m04s
